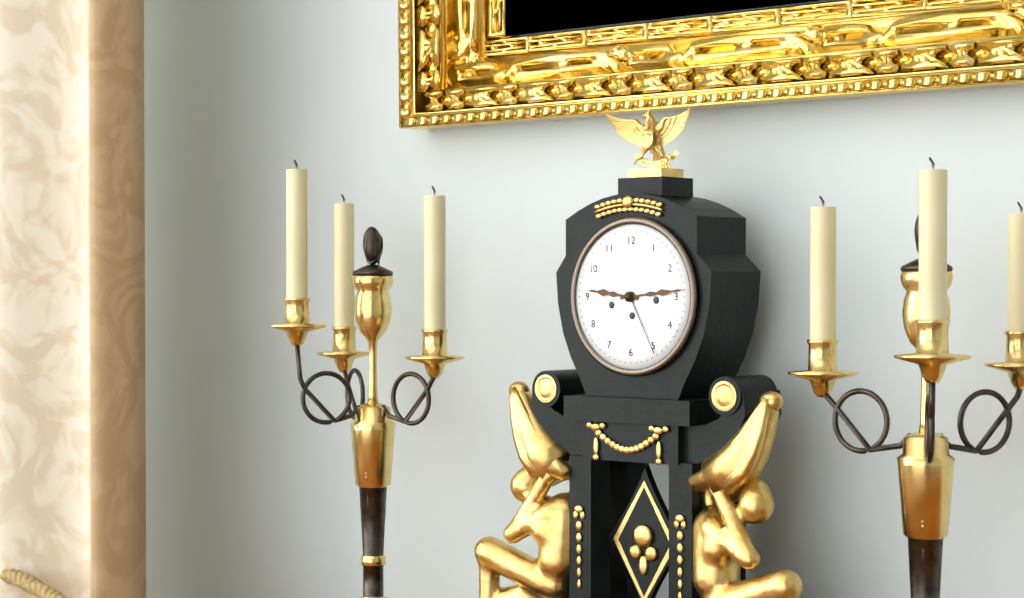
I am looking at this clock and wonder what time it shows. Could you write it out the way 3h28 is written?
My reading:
9h14
